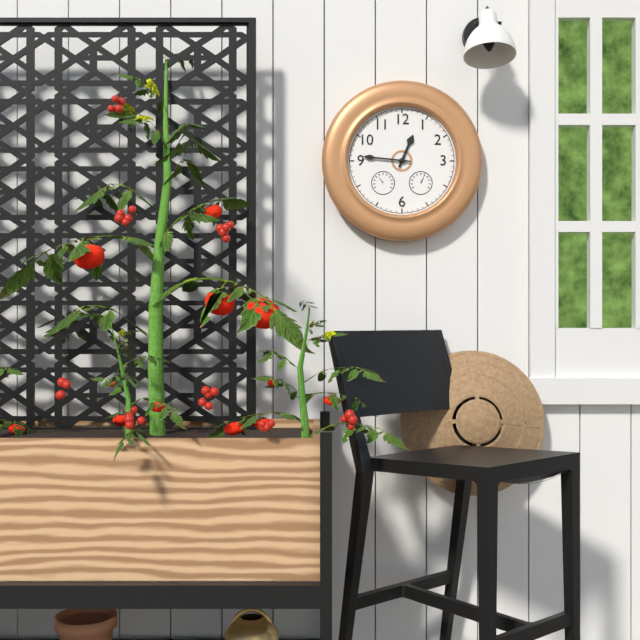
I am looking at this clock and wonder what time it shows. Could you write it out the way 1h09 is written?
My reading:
12h46
